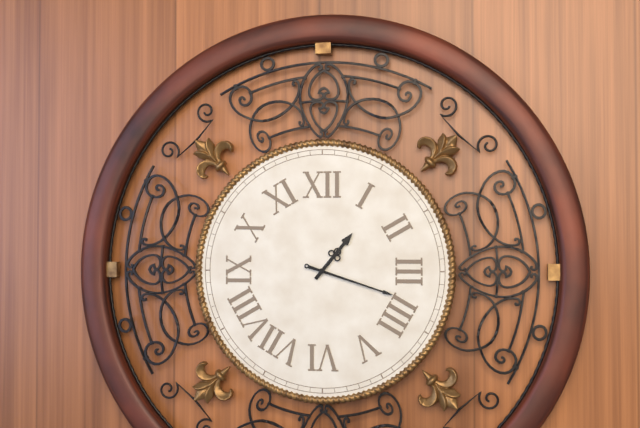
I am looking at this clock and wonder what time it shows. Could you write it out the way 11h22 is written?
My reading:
1h18
